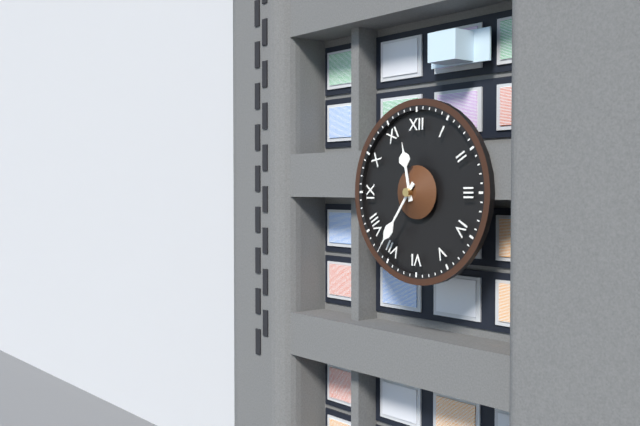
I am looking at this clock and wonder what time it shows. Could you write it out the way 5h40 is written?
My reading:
11h36
